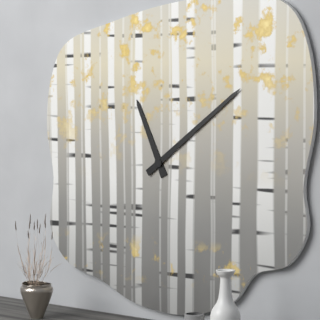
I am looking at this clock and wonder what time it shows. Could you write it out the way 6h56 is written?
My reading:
11h09
